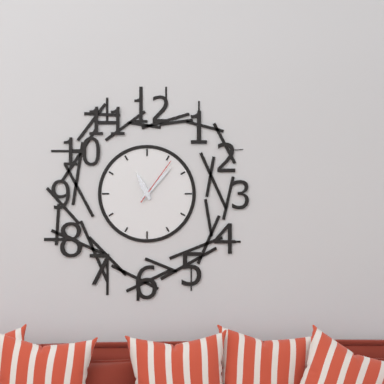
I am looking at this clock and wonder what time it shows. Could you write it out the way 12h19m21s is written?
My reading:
11h07m06s
